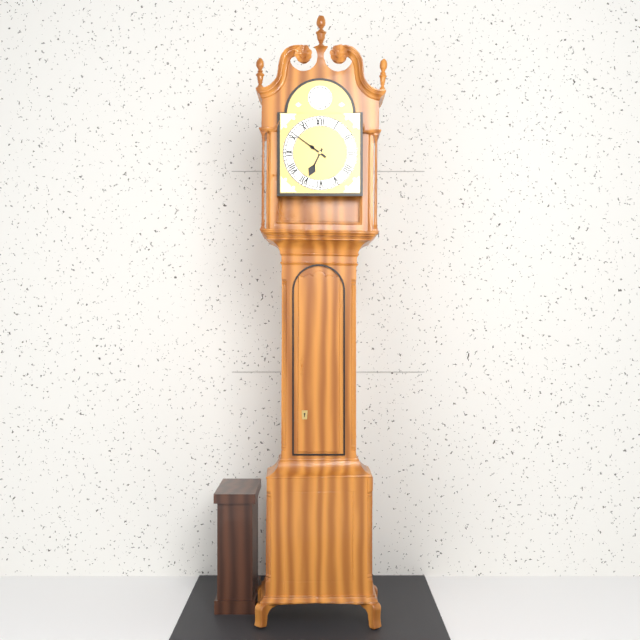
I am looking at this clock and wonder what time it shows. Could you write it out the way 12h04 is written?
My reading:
6h51
